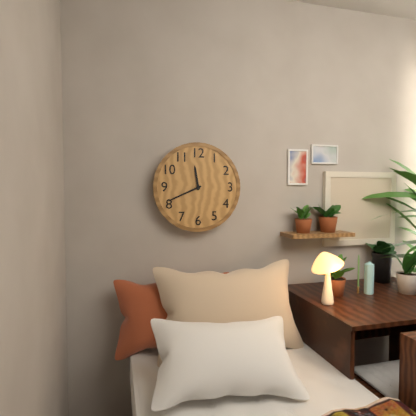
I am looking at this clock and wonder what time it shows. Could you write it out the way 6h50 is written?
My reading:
11h41
